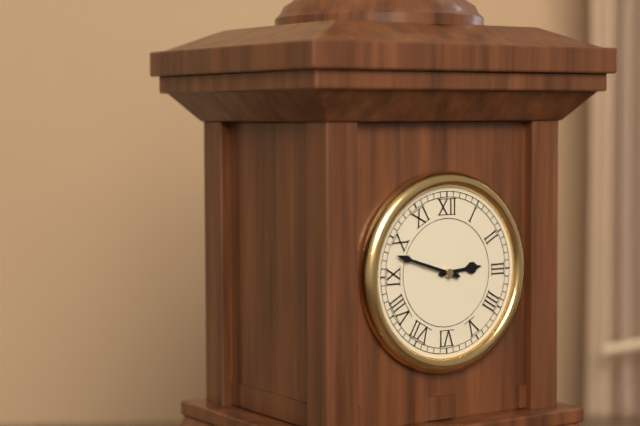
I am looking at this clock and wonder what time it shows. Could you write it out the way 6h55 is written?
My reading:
2h48
